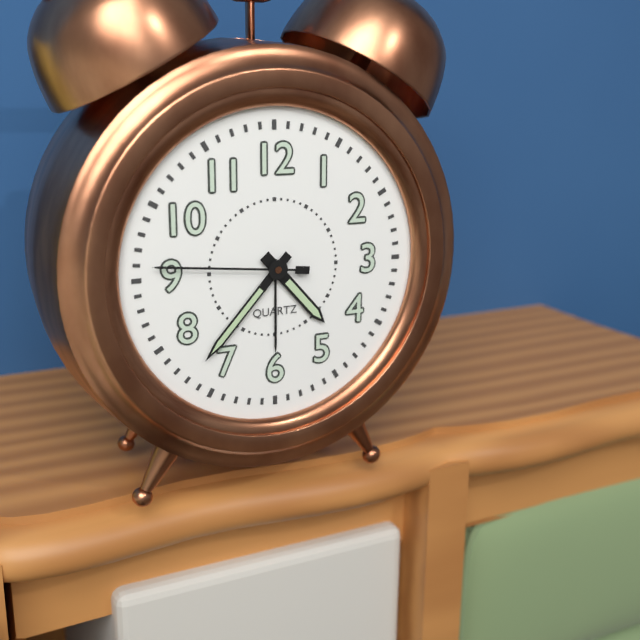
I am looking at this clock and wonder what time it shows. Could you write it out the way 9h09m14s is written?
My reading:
4h37m46s
